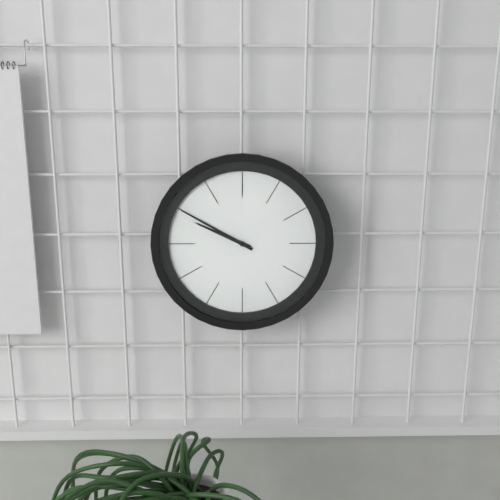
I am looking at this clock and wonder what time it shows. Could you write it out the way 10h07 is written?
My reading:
9h50
